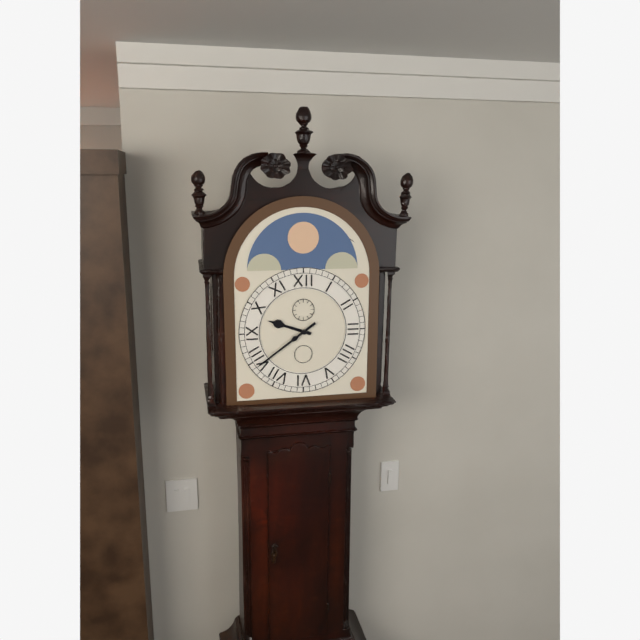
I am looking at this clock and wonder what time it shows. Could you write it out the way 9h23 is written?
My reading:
9h39
